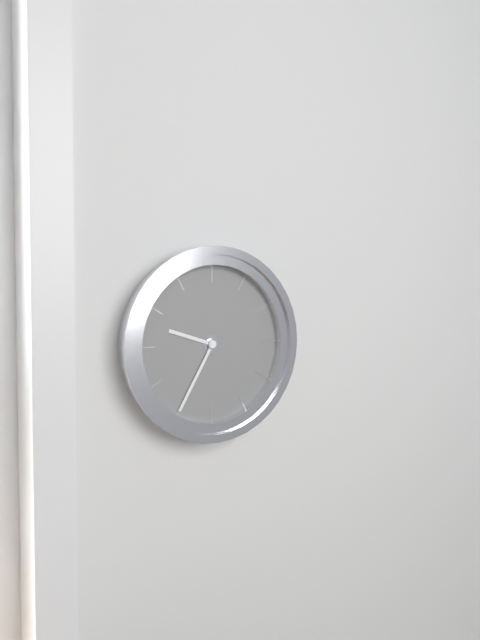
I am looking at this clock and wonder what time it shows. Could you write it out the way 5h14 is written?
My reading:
9h35
